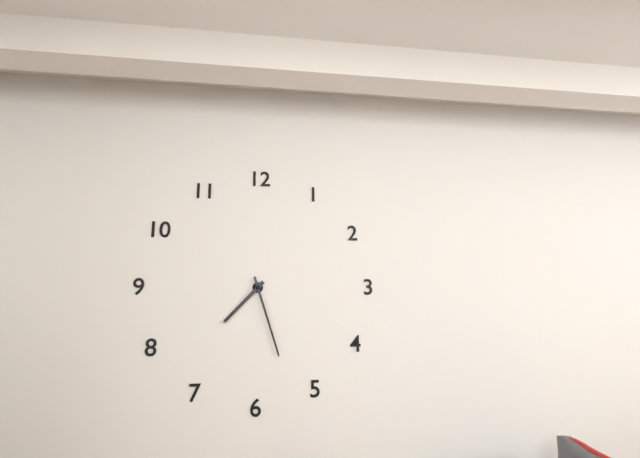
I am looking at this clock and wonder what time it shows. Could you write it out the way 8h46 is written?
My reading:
7h27
